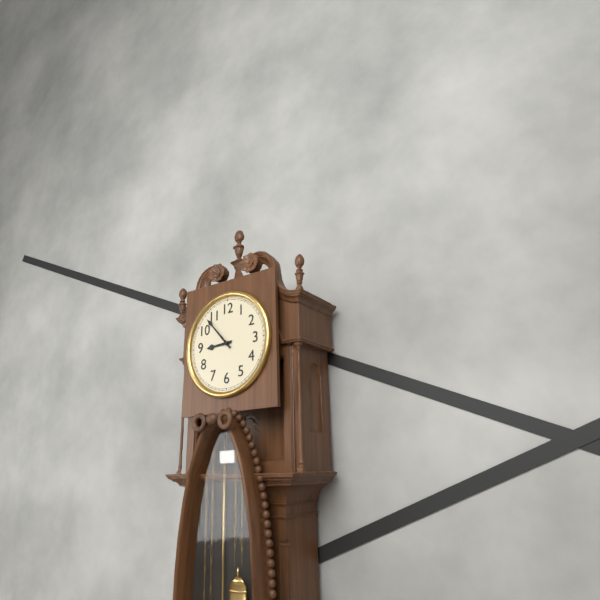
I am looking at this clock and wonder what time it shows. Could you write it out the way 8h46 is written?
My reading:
8h53
